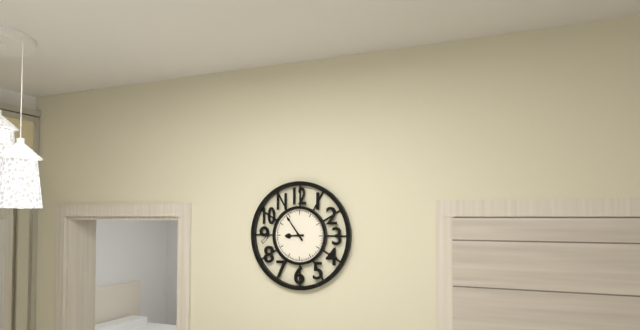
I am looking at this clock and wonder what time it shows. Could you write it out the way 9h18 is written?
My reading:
8h54
